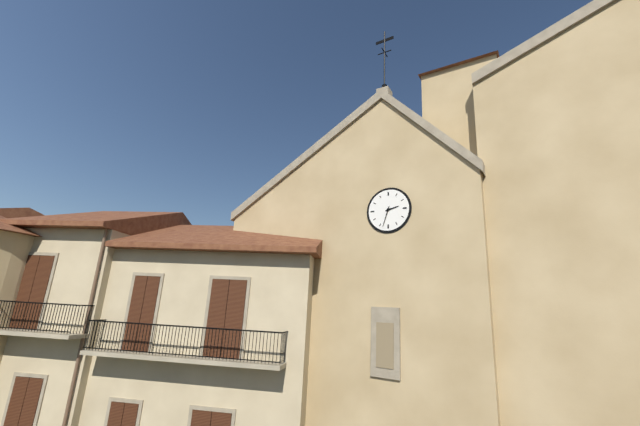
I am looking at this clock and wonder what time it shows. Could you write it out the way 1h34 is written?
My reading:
2h33
